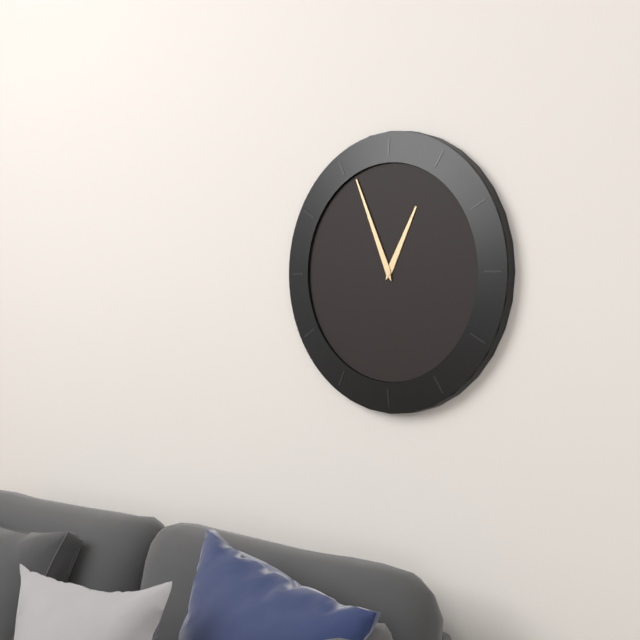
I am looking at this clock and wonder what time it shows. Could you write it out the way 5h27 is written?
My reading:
12h56
